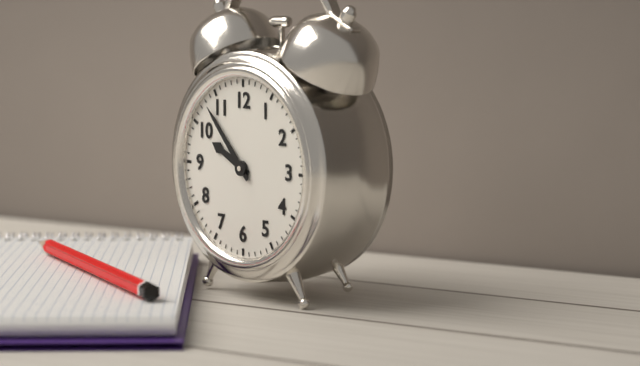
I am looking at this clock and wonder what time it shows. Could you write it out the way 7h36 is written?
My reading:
9h53
